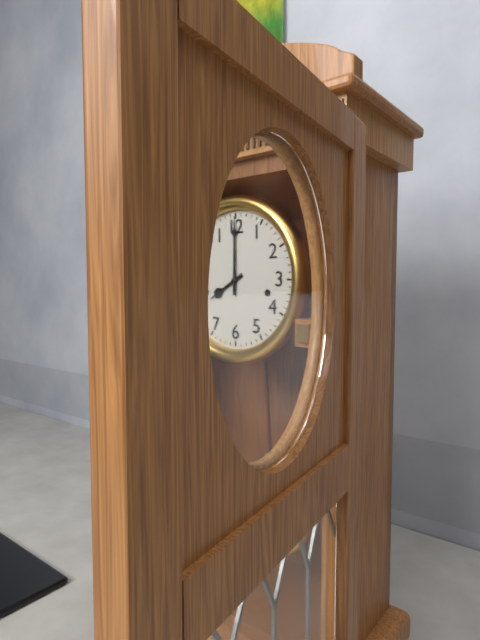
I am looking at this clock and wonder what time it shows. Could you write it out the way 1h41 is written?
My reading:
8h00
